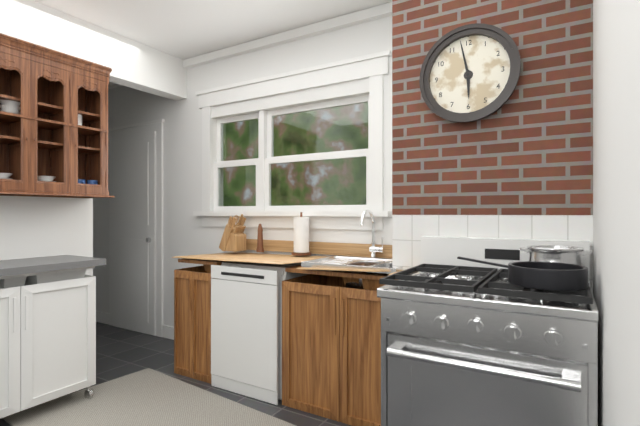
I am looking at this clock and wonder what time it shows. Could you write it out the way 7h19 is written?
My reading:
5h58
